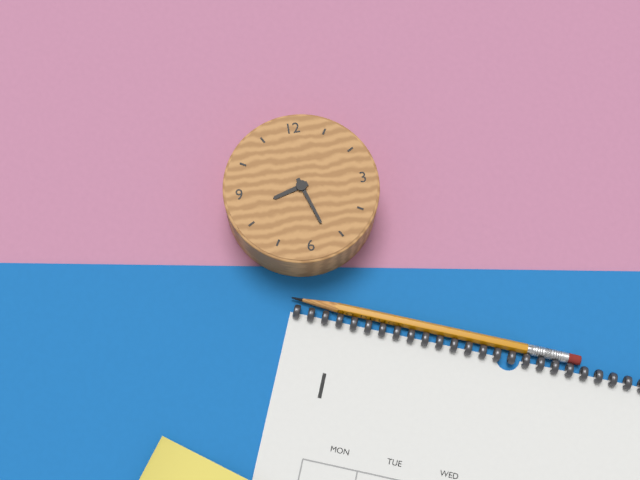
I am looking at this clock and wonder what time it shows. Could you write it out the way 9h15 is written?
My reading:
8h27
